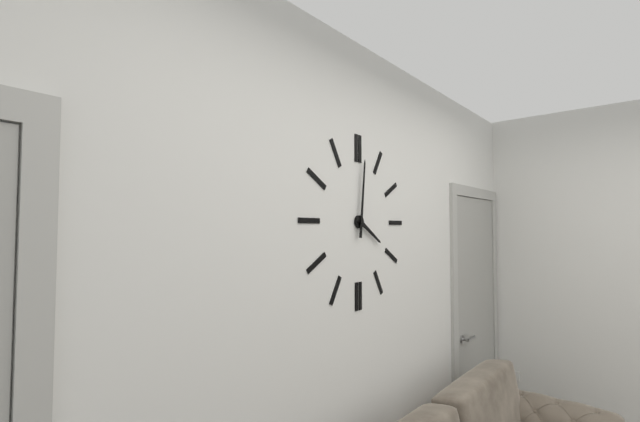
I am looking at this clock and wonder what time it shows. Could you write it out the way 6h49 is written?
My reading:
4h01
